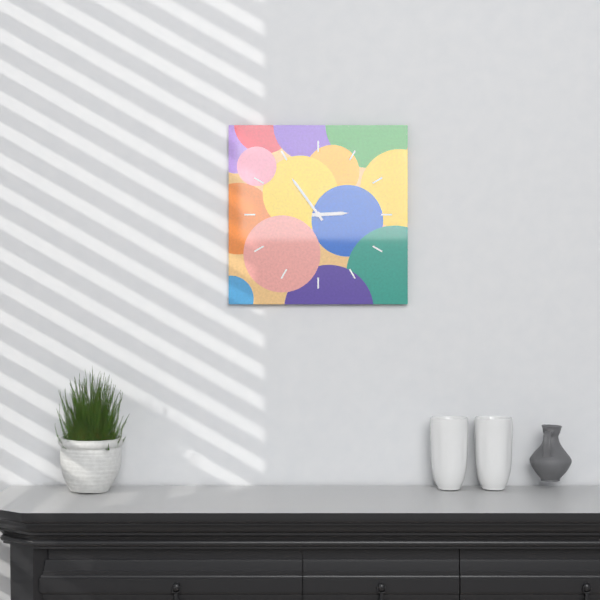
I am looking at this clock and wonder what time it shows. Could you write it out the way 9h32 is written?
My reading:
2h54
